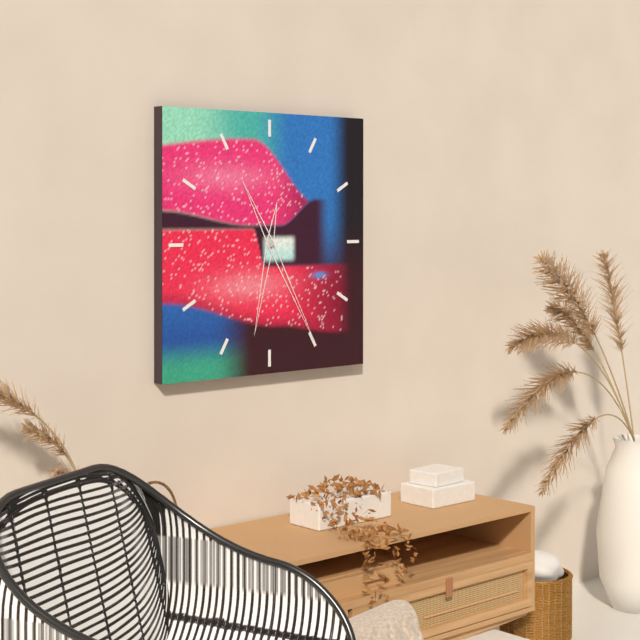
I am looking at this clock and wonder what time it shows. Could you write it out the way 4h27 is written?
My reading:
6h25
